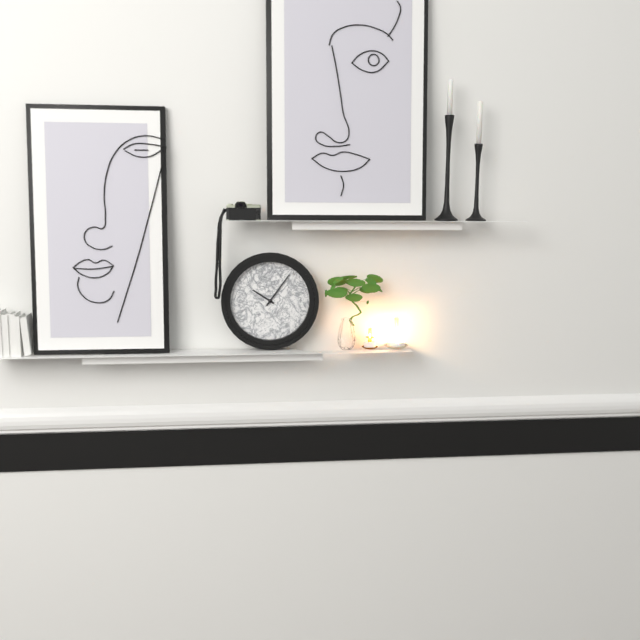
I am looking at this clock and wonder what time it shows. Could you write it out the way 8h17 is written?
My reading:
10h06
